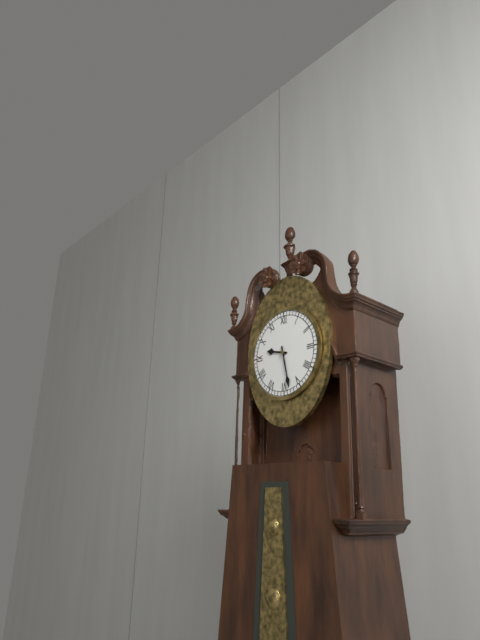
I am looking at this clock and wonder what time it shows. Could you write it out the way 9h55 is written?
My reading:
9h28
